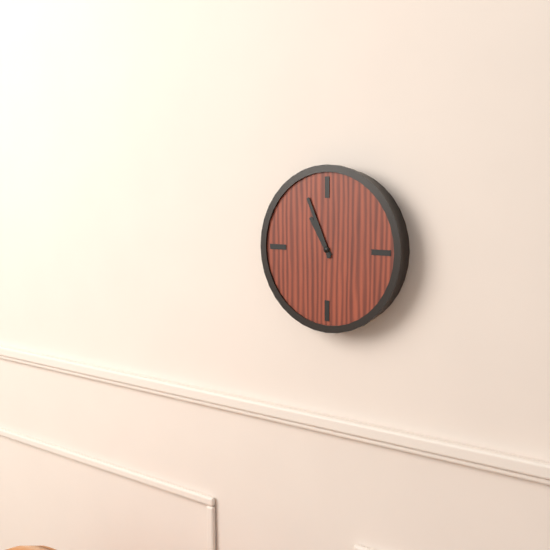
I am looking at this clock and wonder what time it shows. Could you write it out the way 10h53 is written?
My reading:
10h56
